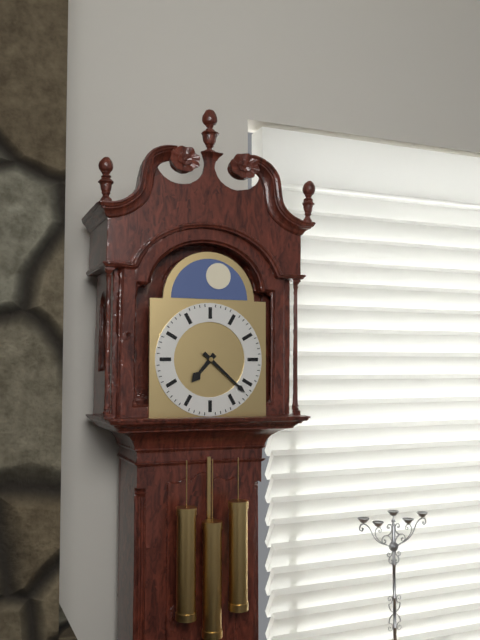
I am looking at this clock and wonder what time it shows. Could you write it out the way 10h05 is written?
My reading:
7h22
